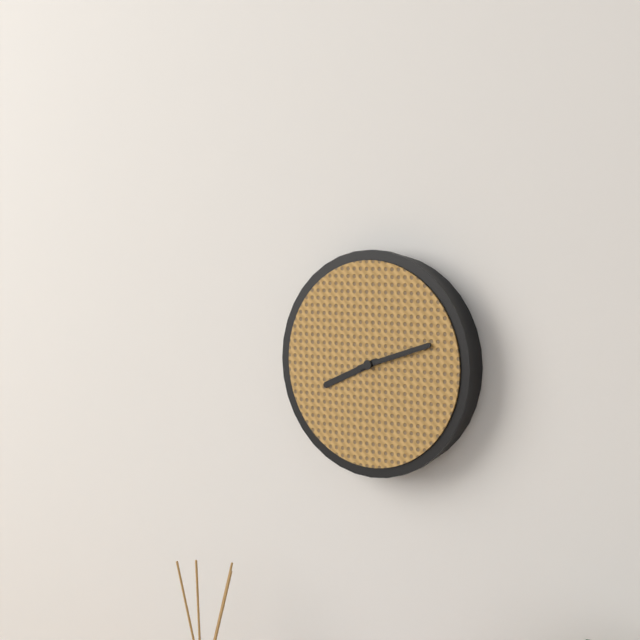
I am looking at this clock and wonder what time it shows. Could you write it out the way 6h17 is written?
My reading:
8h12
